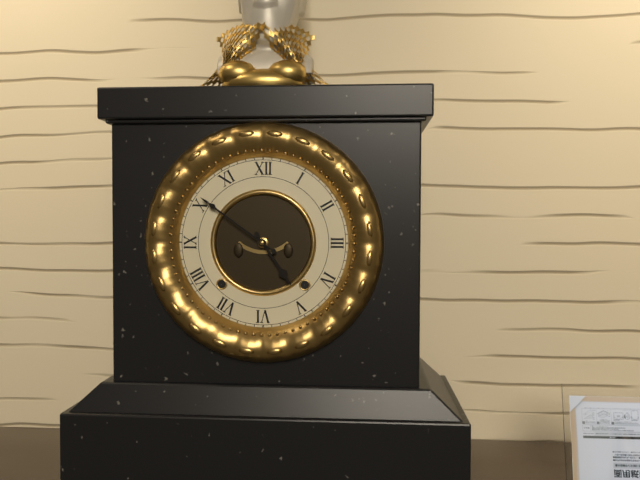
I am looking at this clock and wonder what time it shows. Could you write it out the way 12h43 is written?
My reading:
4h51
